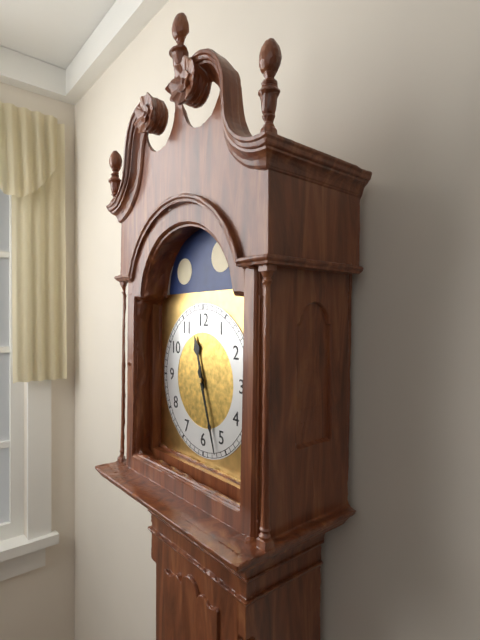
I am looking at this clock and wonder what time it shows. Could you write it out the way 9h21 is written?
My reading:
11h27
